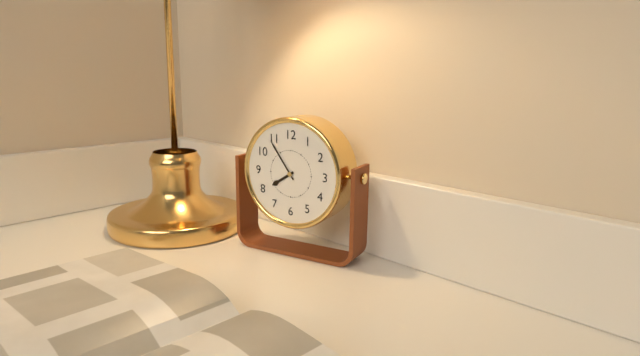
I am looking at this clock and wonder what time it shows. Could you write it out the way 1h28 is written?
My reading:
7h54
